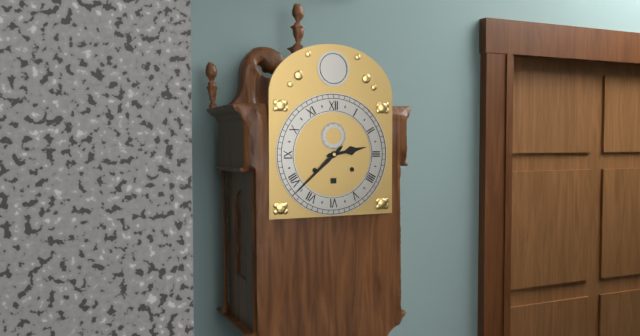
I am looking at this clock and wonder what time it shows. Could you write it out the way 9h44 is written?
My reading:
2h38
